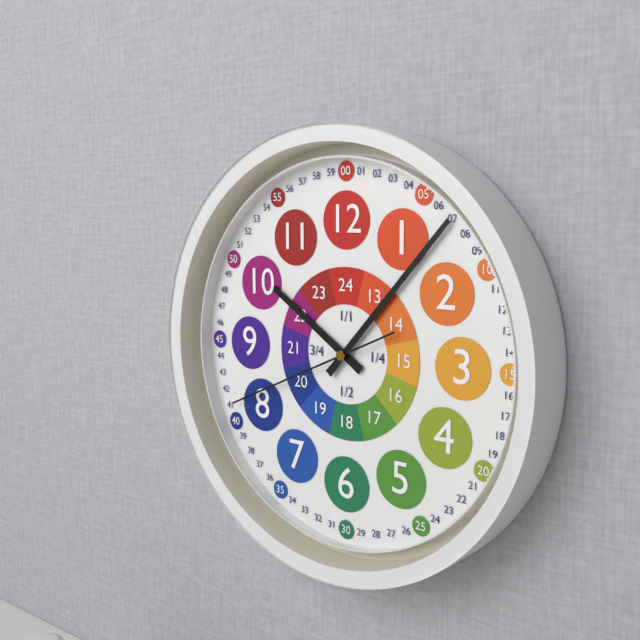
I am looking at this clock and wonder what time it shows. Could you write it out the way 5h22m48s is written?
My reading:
10h07m41s
